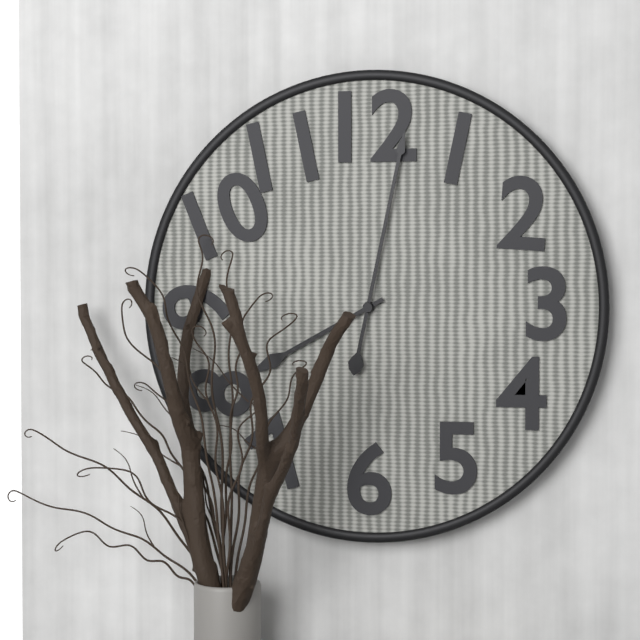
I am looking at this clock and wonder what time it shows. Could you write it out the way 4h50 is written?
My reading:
8h02
